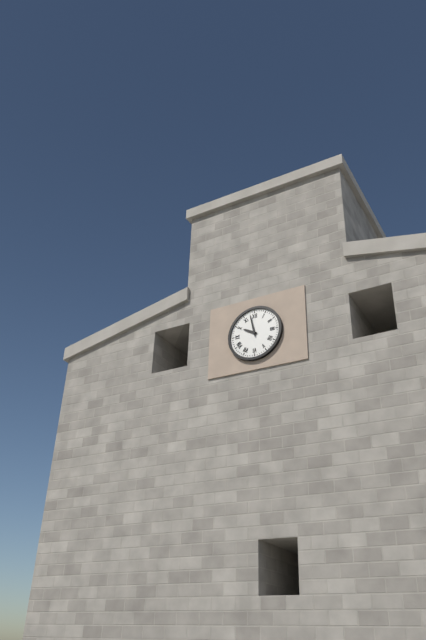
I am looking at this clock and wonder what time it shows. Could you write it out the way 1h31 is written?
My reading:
9h58
